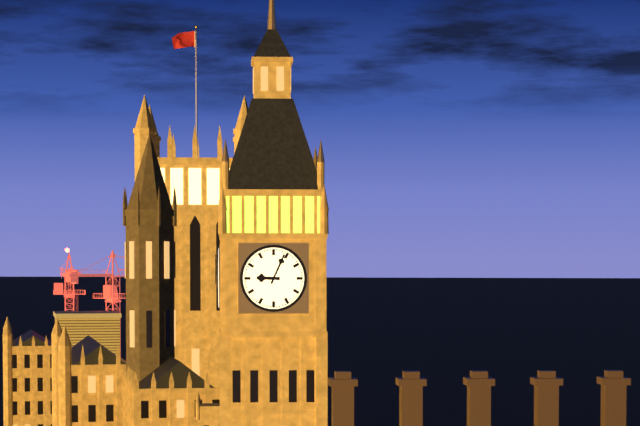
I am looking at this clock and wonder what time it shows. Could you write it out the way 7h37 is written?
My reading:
9h04
